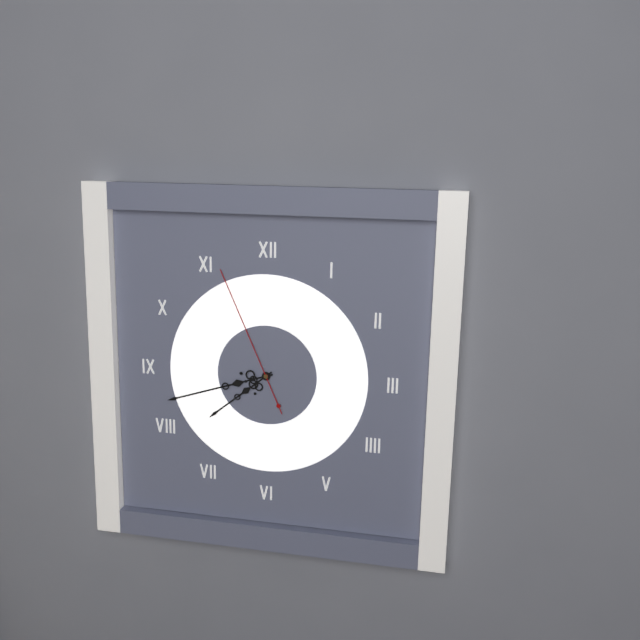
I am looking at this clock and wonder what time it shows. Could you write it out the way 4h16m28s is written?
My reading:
7h42m56s
